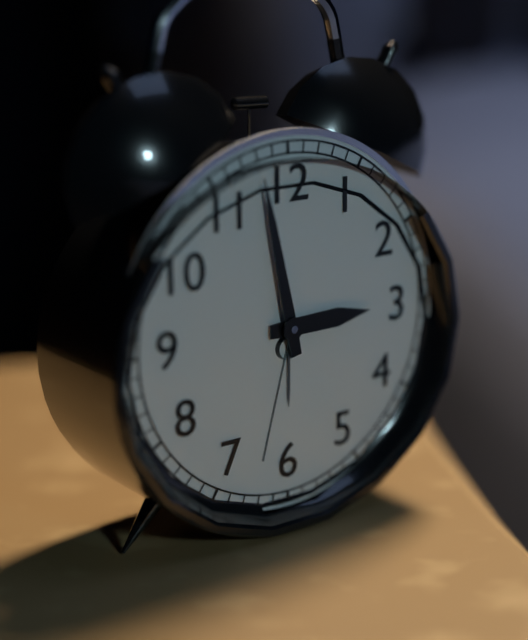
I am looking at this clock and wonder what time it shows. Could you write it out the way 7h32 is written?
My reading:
2h58
